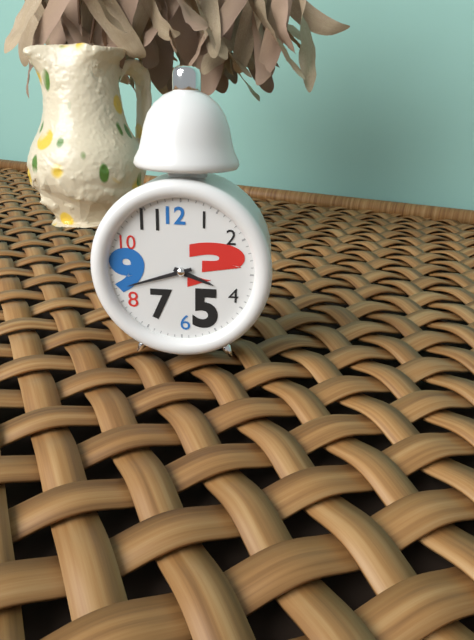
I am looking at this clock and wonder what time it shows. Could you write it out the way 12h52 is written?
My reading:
3h42
